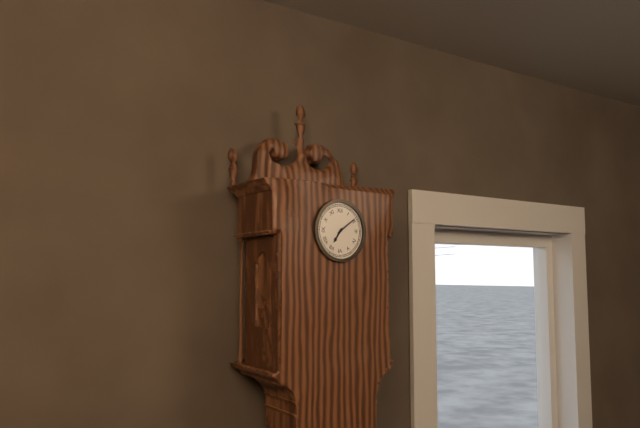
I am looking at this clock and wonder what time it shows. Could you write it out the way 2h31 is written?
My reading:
7h09
